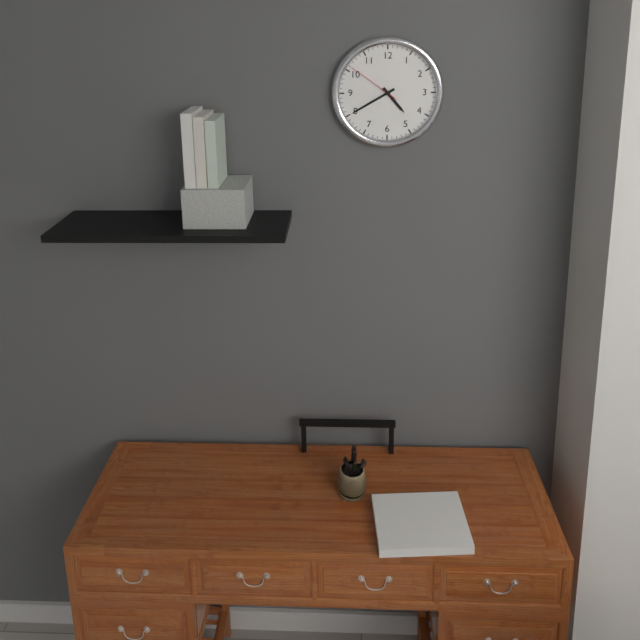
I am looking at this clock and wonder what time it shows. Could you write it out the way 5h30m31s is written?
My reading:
4h40m51s
